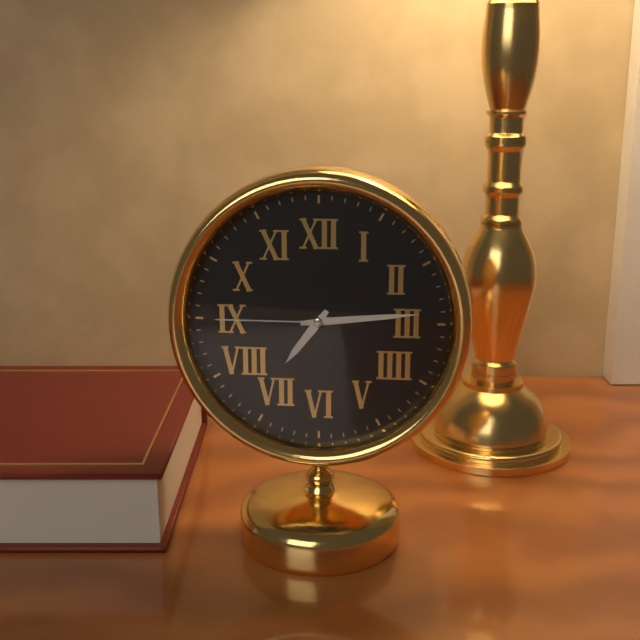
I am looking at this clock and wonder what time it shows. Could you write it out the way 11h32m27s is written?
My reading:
7h14m45s
